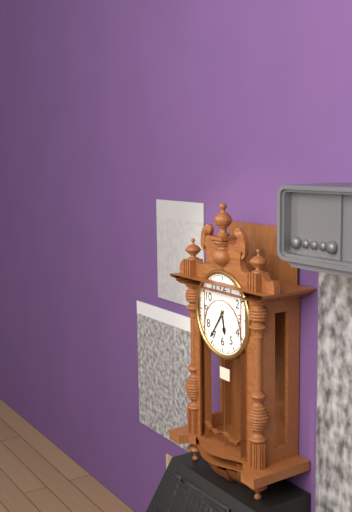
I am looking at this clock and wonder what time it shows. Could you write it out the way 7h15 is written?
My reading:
5h36
